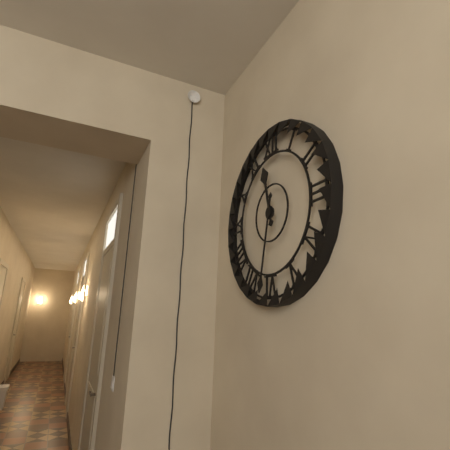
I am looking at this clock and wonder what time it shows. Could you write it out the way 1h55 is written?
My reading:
11h32
